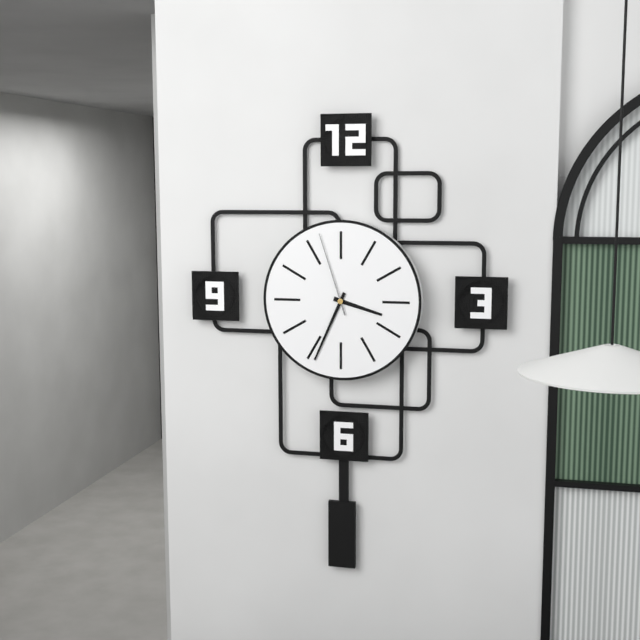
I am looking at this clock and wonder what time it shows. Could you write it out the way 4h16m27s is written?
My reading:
3h34m57s
